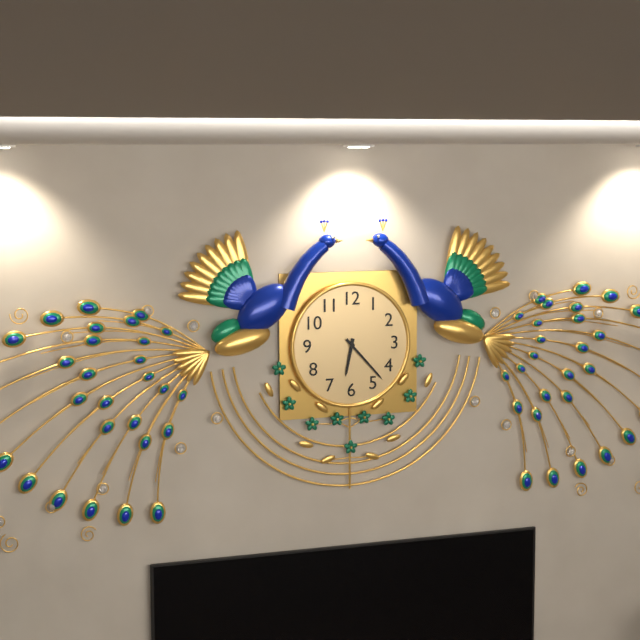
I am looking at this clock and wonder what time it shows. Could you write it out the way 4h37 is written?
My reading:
6h23
